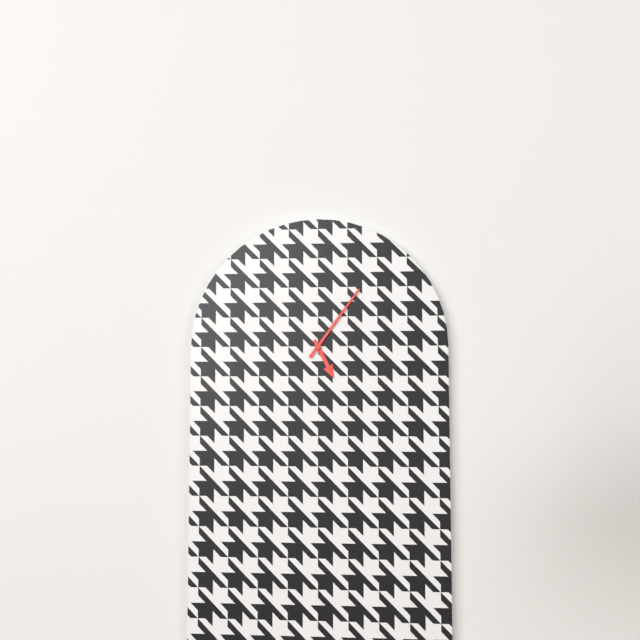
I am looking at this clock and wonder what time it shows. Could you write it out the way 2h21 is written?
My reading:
5h06
